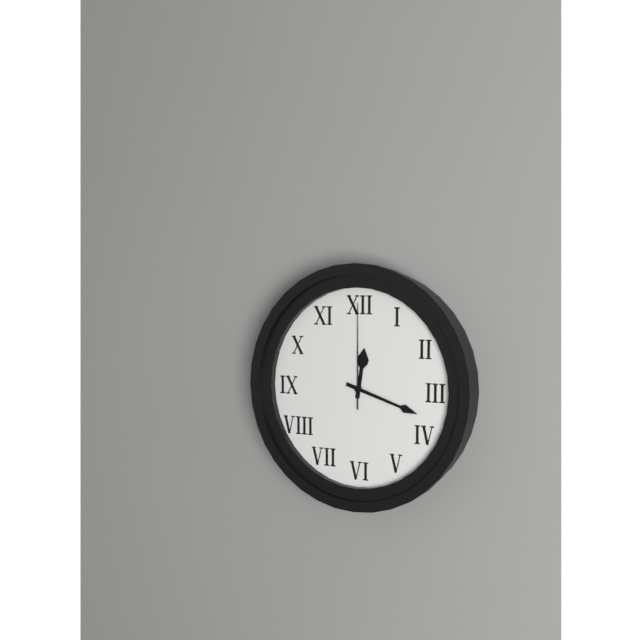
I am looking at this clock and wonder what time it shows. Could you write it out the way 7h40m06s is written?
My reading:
12h18m00s
